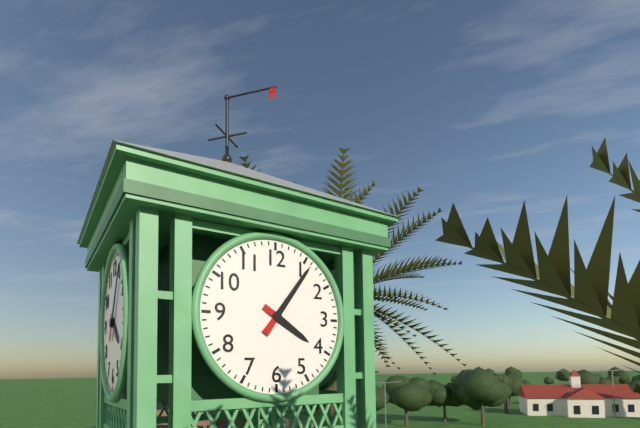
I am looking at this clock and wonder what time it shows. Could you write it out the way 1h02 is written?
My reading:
4h06
